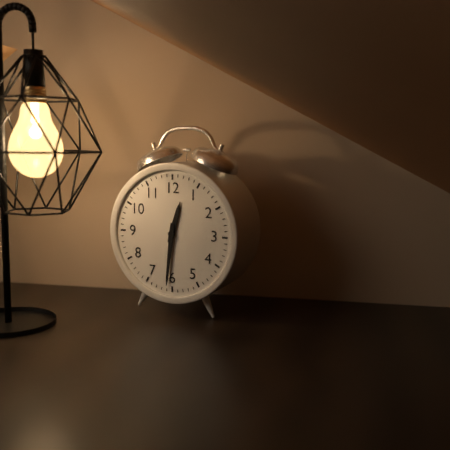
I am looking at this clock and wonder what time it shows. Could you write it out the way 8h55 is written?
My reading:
12h31
